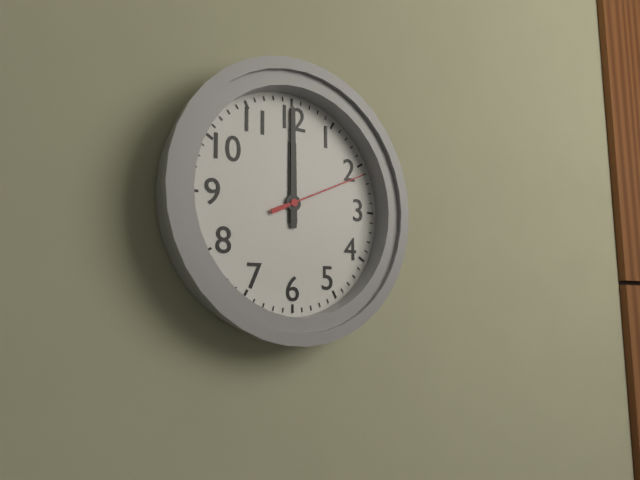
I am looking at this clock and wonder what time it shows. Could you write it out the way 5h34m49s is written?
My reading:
12h00m11s
